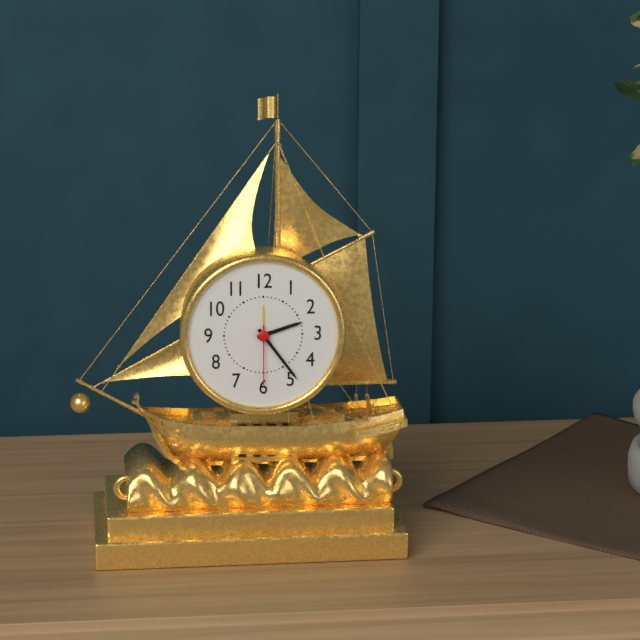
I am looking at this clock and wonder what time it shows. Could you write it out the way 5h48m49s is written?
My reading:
2h24m30s
